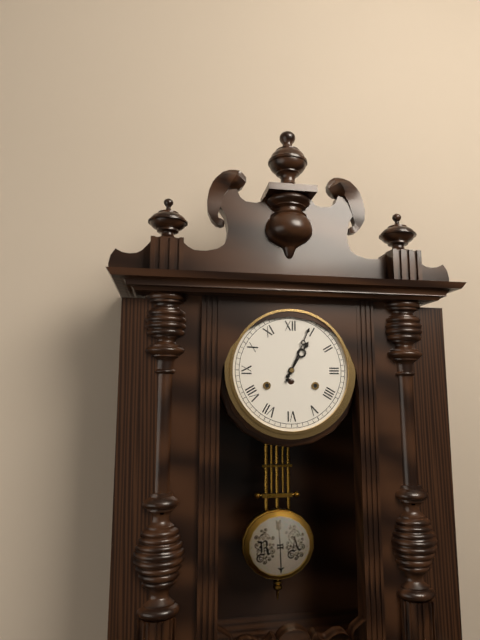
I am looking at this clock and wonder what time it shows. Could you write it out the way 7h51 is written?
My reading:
1h04
